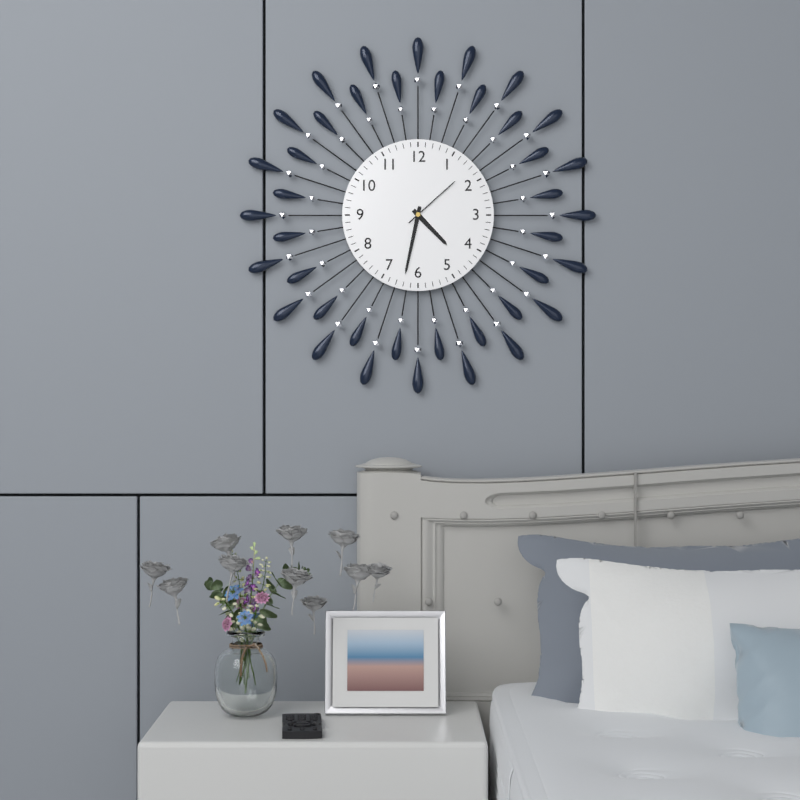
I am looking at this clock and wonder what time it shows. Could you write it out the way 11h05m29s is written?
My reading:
4h32m08s
